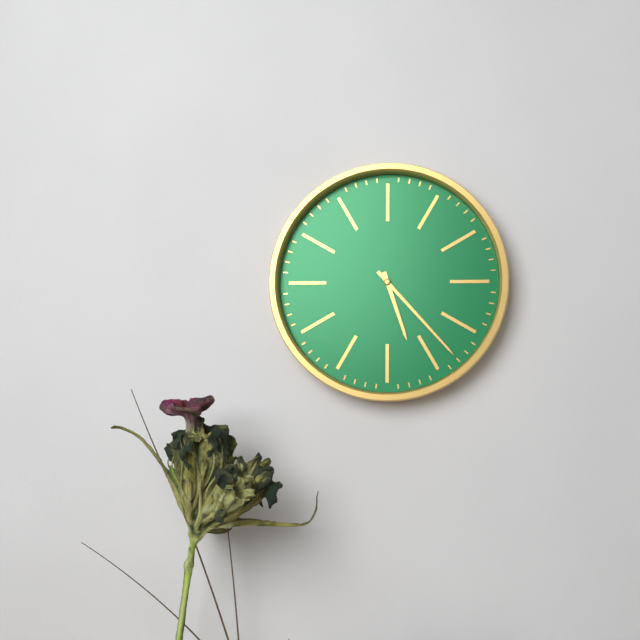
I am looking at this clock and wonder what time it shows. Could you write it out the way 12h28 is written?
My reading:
5h23
